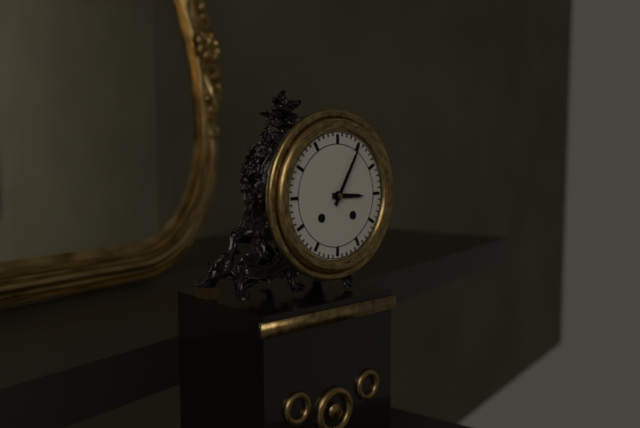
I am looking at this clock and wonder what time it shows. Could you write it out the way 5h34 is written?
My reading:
3h05
